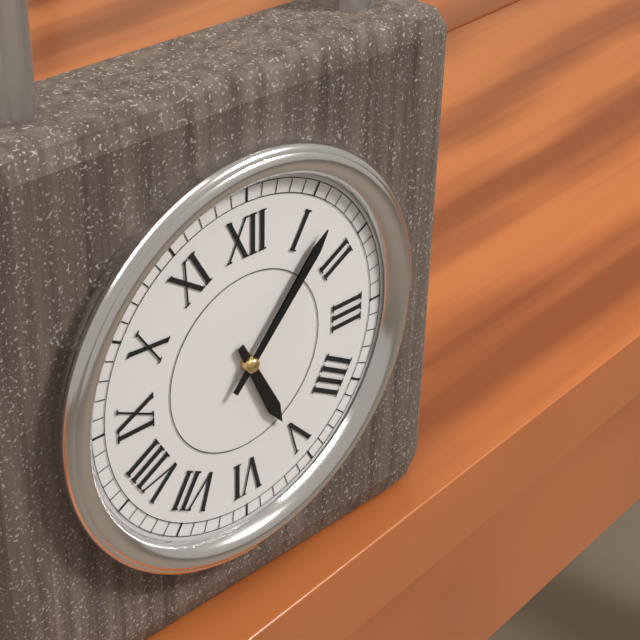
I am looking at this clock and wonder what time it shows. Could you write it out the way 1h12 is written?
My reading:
5h07
